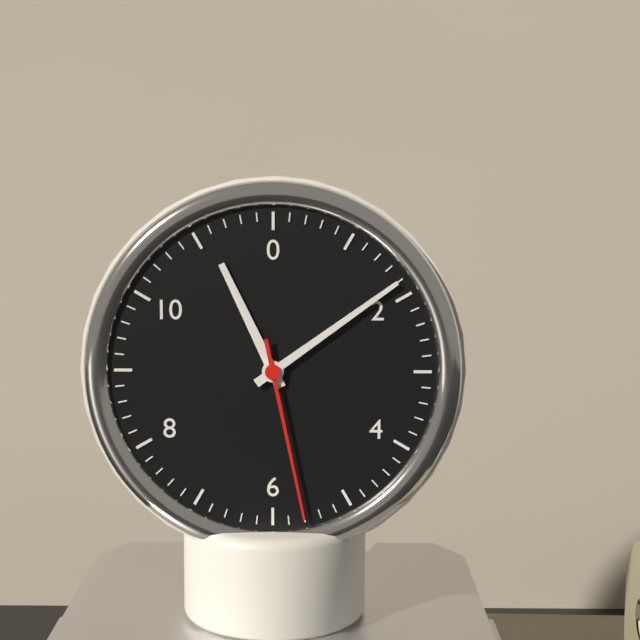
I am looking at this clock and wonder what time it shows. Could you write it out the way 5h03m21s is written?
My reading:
11h09m28s
